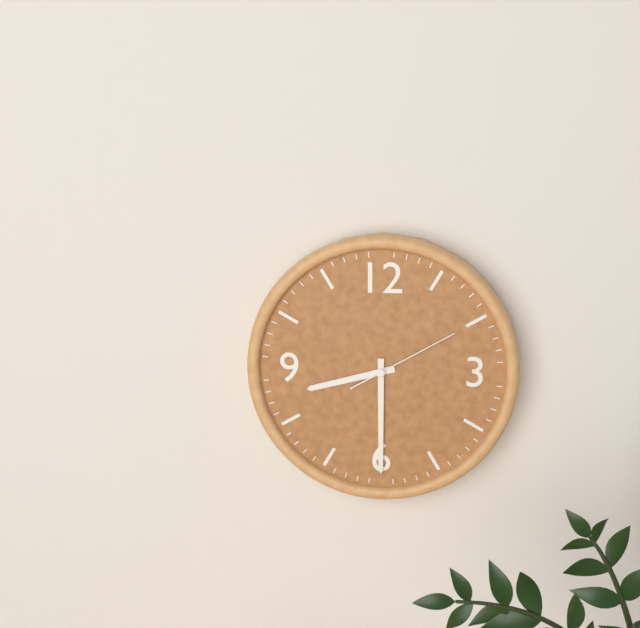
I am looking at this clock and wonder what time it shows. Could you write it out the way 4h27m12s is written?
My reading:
8h30m10s
